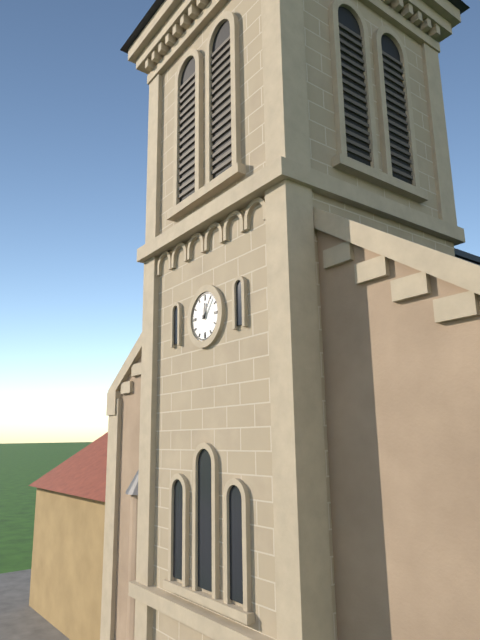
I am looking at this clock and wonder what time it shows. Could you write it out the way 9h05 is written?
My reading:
12h06
